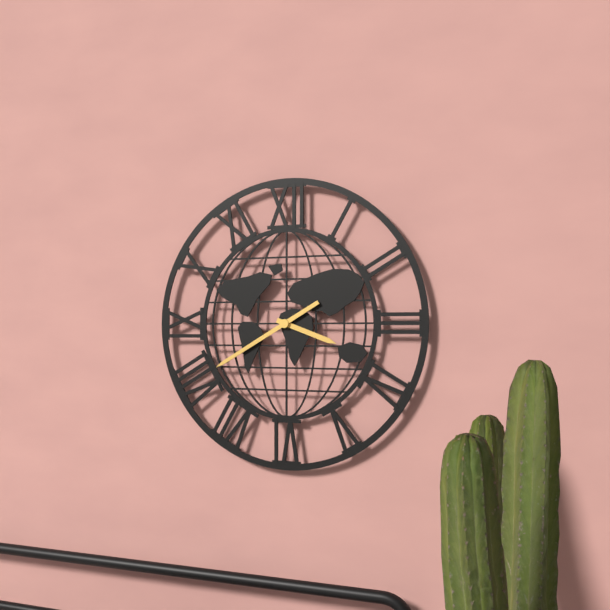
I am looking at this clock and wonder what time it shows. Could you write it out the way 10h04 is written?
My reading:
3h40
